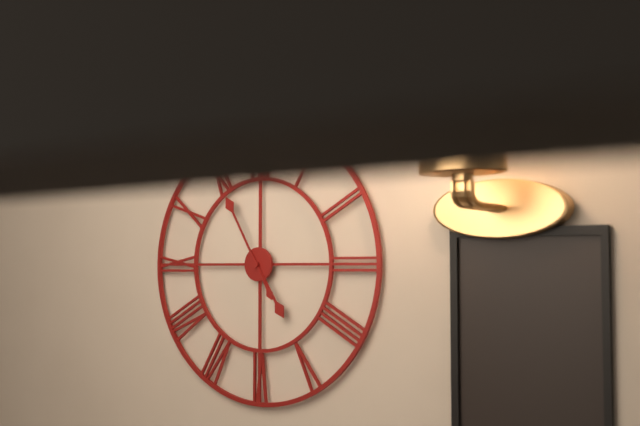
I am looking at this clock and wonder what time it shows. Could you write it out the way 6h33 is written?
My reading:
4h55
